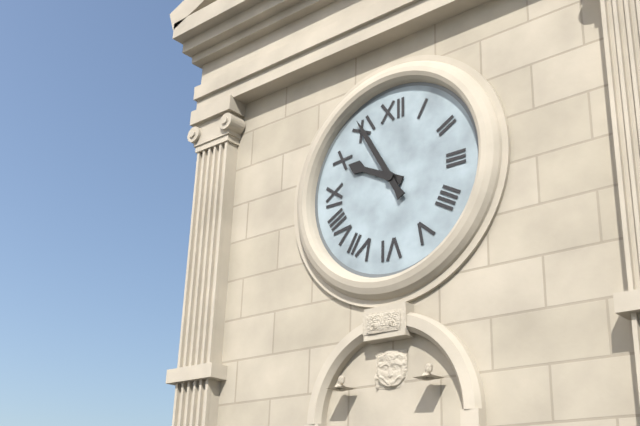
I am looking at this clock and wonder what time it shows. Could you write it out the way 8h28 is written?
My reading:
9h55
